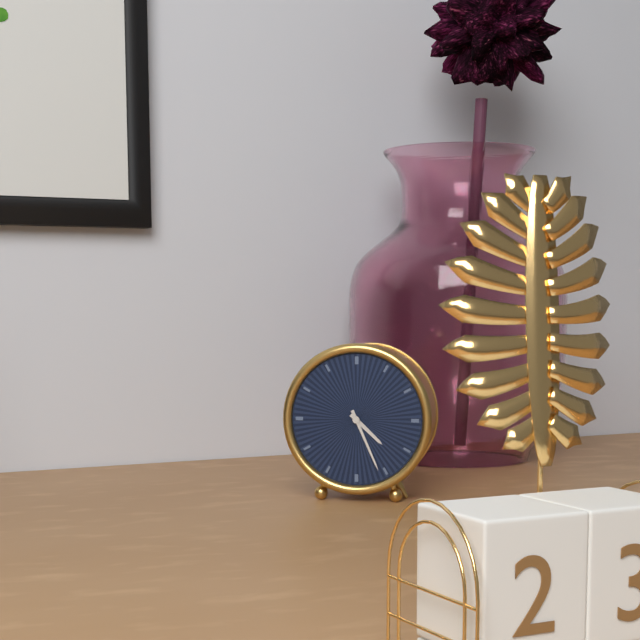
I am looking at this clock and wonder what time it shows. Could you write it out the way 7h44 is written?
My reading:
4h26
